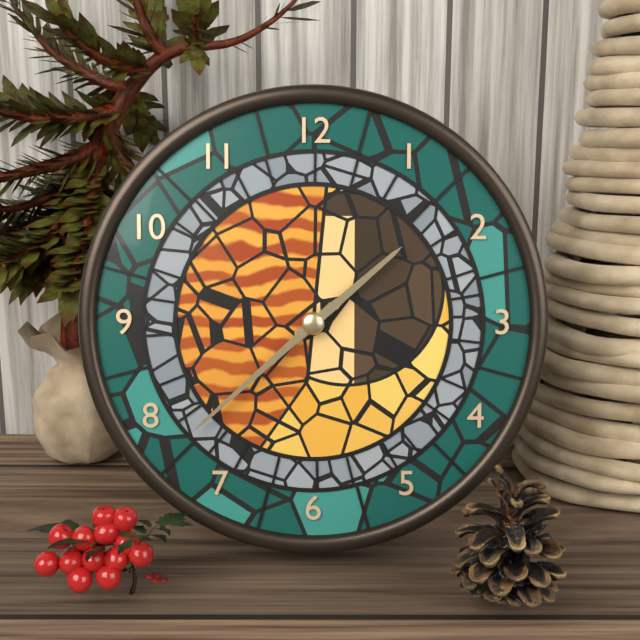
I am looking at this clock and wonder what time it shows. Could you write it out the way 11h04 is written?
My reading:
1h38
